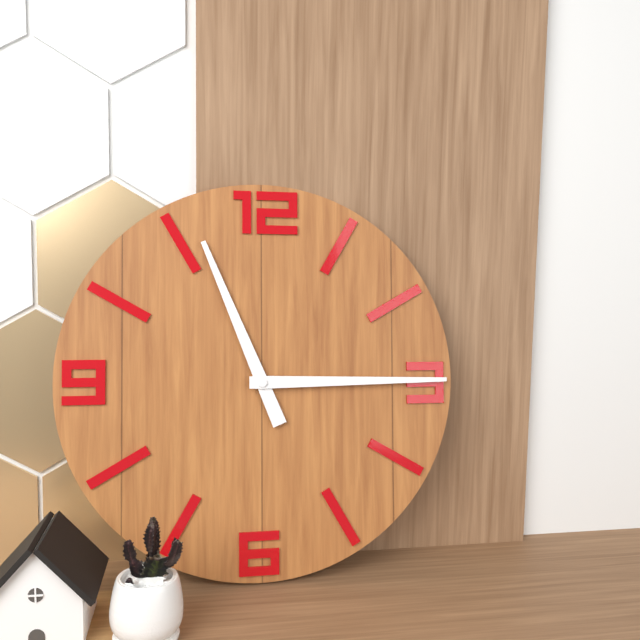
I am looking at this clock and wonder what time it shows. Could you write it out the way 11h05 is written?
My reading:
11h15
